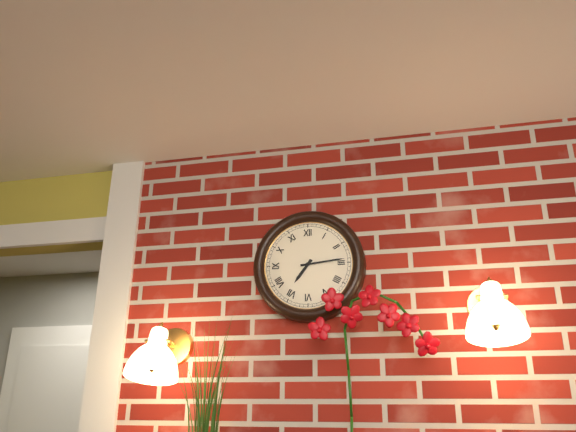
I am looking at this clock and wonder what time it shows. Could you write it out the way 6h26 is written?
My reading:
7h14
